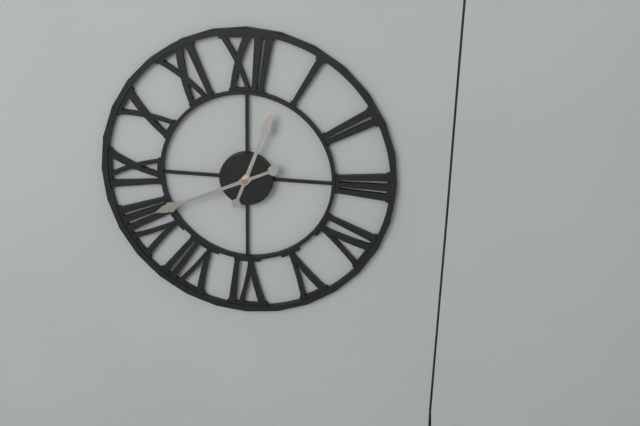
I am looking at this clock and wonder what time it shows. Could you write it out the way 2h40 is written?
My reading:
12h41
